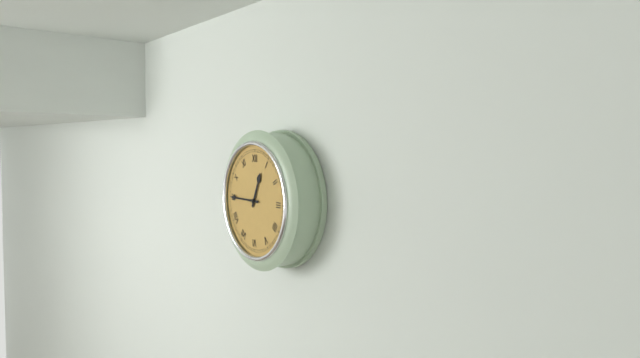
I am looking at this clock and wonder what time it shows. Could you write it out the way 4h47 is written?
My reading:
12h45
